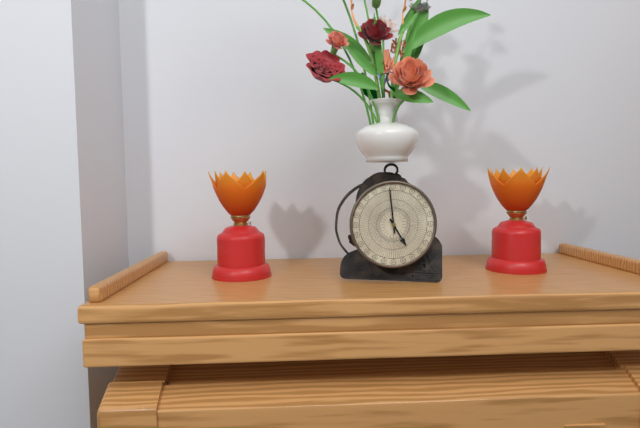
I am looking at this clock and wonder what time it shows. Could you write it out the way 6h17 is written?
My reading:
4h59
